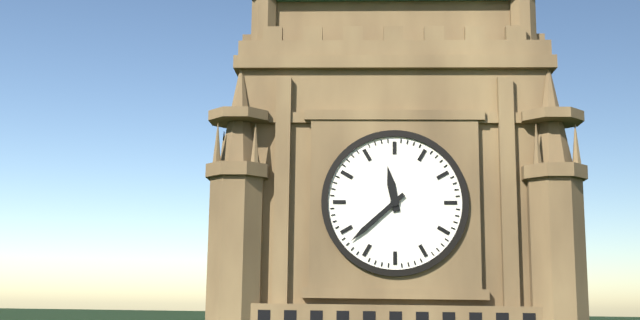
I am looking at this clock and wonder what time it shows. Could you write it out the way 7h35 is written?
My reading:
11h38
